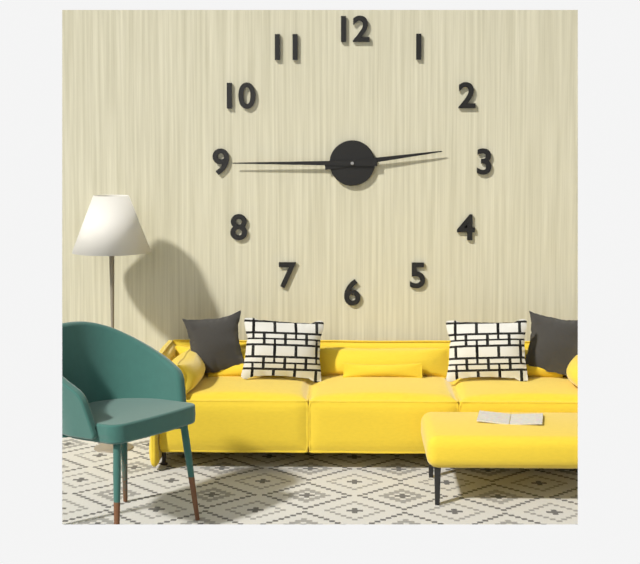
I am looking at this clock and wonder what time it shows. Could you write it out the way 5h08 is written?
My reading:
2h45
